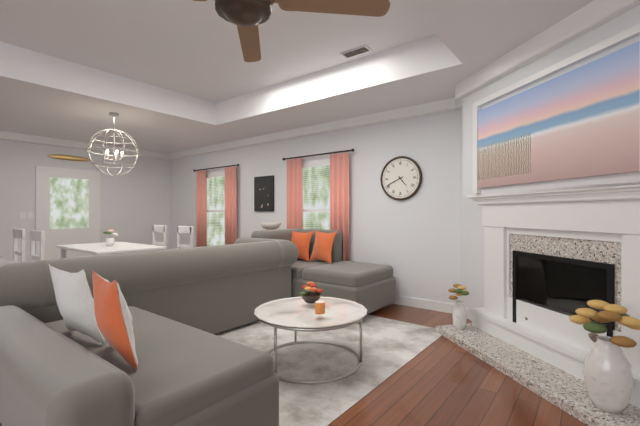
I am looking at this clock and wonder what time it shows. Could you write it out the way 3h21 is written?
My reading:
4h41
